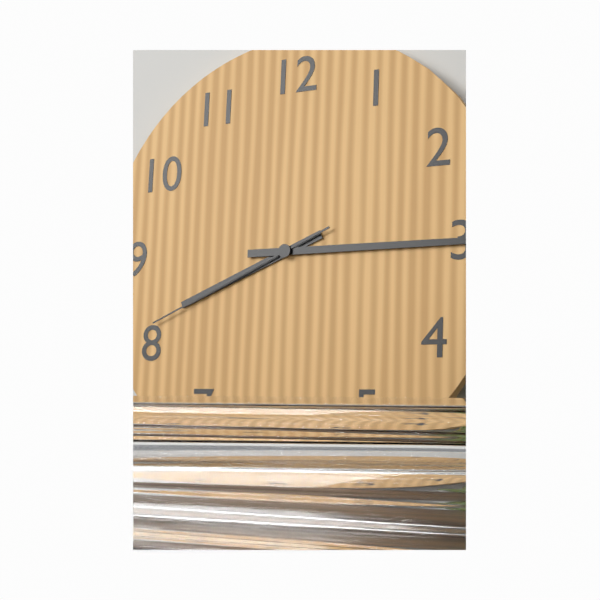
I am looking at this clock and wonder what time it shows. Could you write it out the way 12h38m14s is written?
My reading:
8h15m41s
